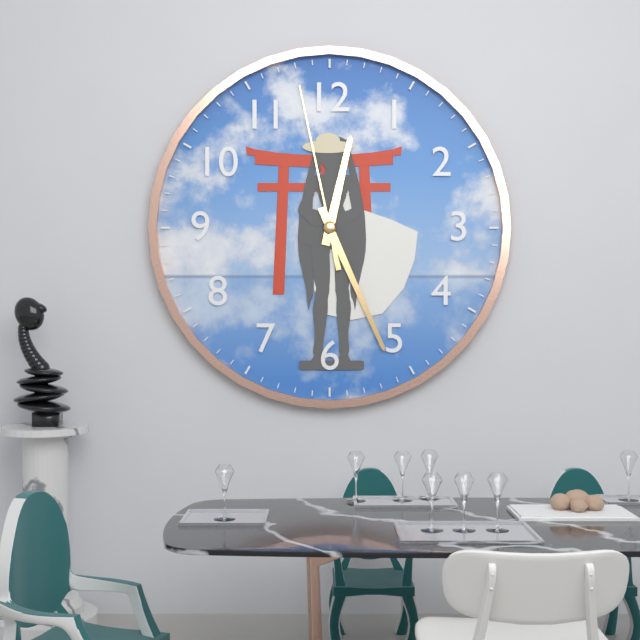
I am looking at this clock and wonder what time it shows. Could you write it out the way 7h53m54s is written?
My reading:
12h26m58s
